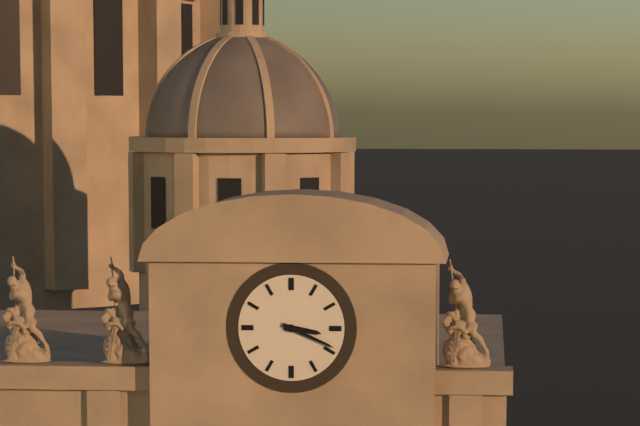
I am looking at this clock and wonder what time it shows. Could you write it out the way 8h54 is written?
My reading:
3h19
